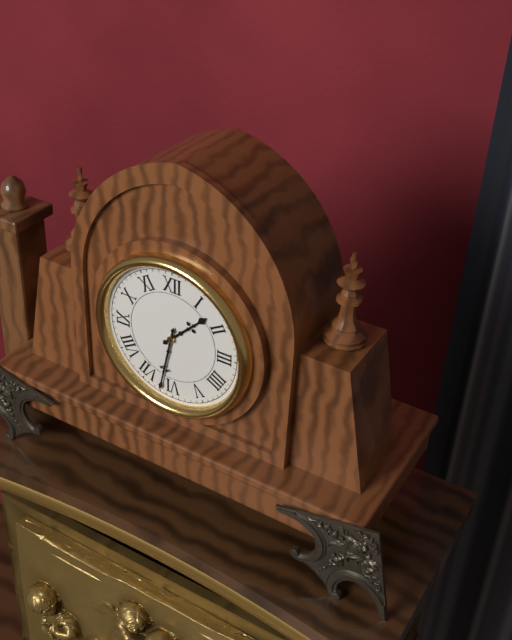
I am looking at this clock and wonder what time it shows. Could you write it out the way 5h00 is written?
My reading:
1h32
